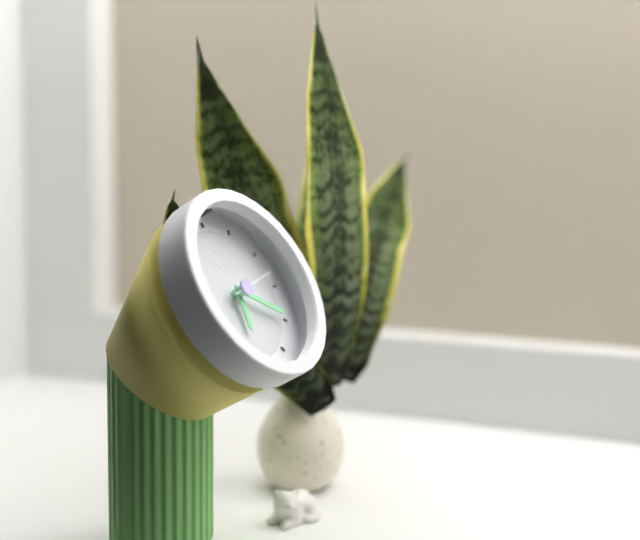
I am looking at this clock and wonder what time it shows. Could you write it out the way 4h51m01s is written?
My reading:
6h20m13s
